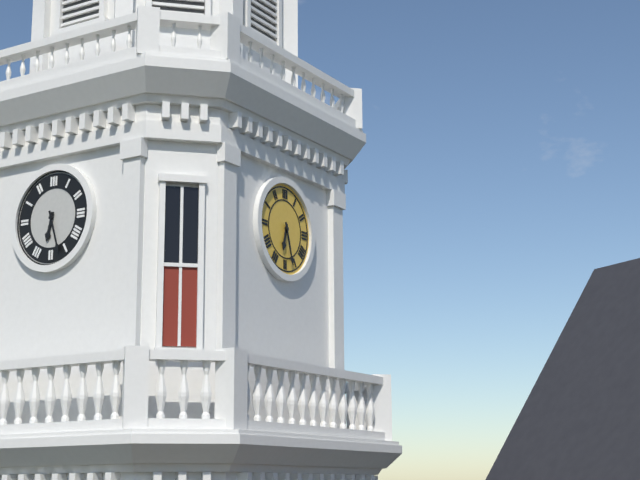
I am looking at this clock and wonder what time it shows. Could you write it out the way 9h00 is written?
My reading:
6h27
